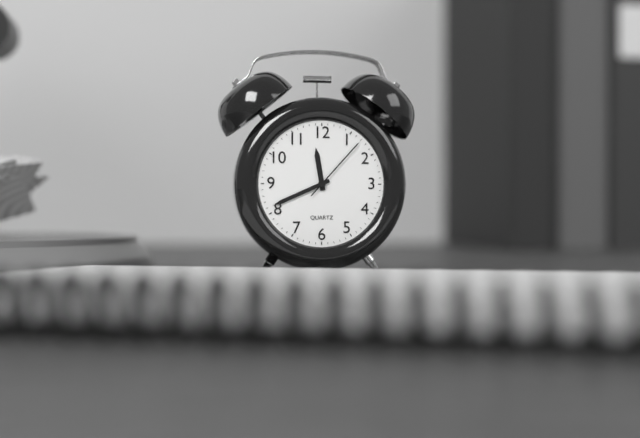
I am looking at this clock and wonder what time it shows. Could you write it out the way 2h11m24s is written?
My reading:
11h41m07s
